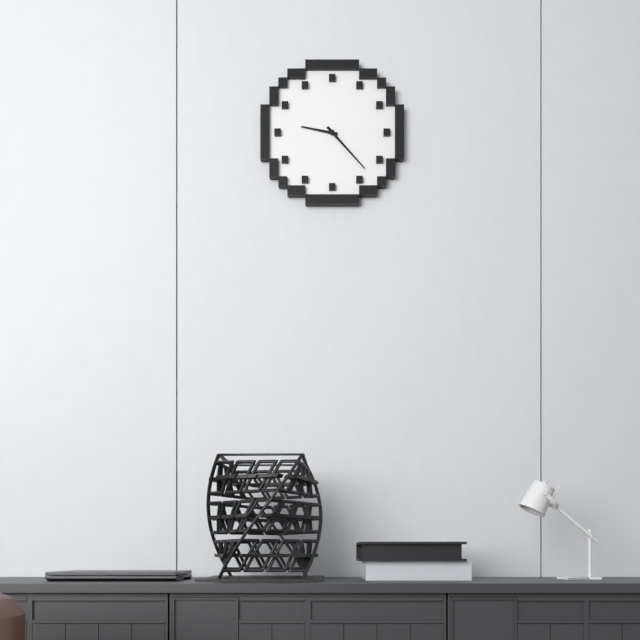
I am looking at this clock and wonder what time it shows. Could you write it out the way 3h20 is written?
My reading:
9h23
